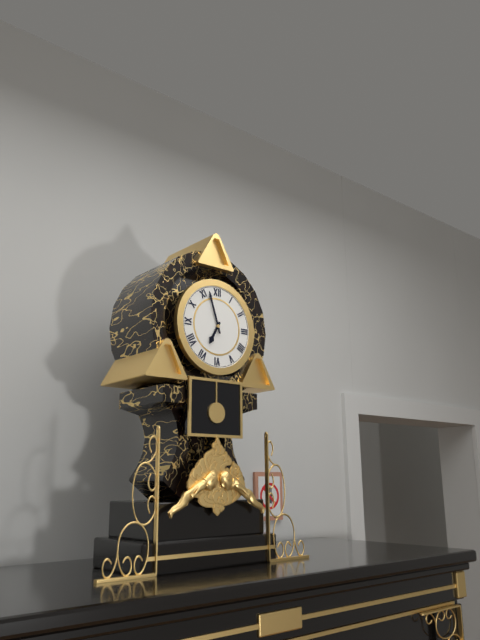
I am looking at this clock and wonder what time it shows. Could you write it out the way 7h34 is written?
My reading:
6h57
